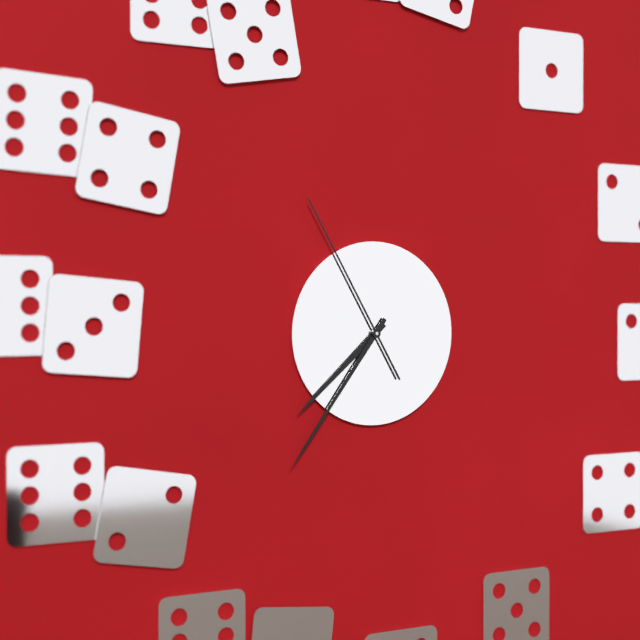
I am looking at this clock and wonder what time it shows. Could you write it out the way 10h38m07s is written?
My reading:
7h36m55s
